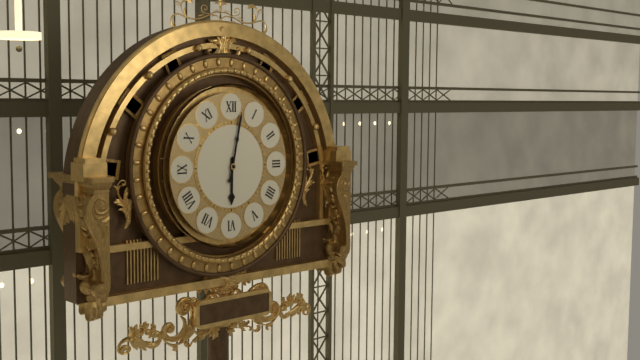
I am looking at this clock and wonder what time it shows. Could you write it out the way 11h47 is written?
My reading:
6h02
